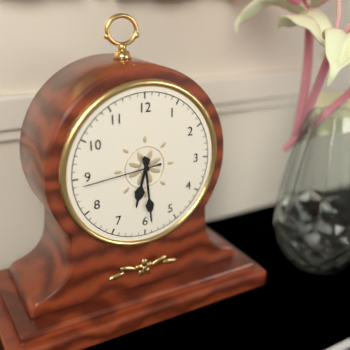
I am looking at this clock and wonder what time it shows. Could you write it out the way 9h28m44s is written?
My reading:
6h29m44s
